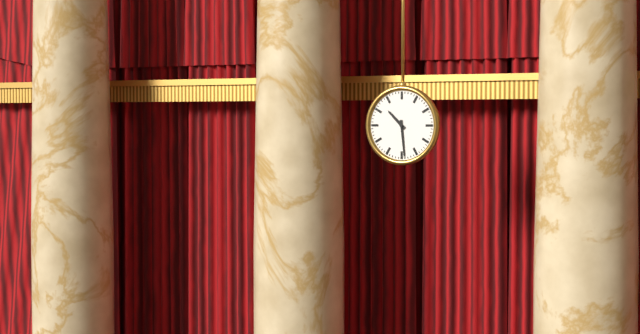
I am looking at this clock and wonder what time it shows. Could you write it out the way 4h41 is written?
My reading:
10h29
